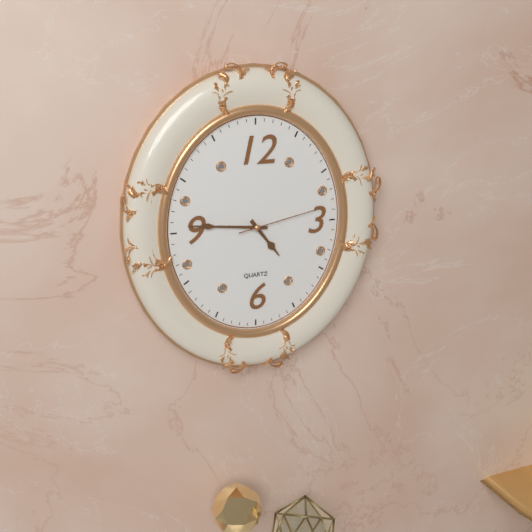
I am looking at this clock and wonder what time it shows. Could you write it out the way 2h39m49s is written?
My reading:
4h46m13s
